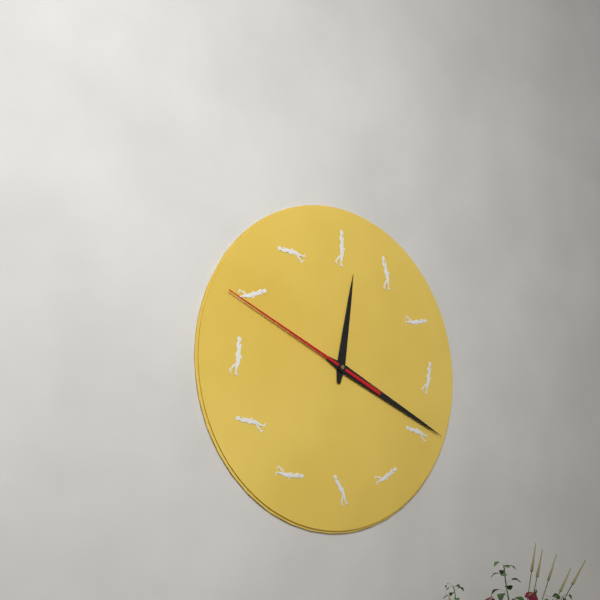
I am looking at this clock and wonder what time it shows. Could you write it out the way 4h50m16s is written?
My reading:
12h19m49s
